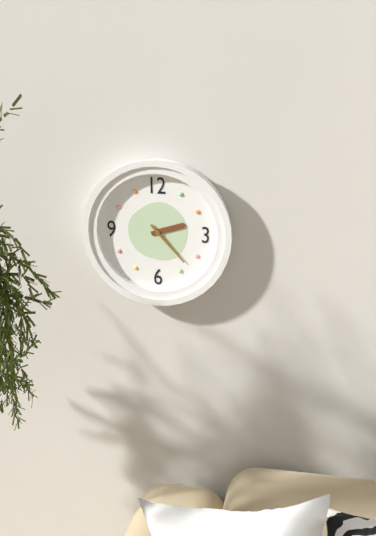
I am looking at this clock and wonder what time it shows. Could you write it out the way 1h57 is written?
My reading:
2h23
